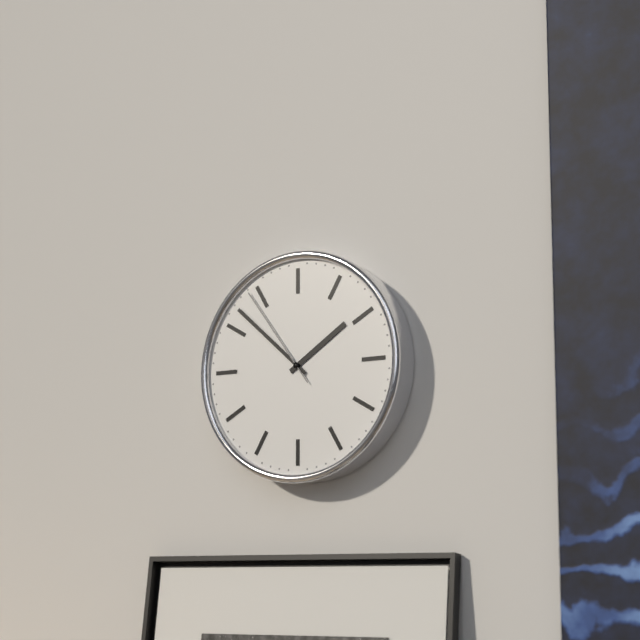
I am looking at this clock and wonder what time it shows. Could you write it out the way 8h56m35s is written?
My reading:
1h52m54s
